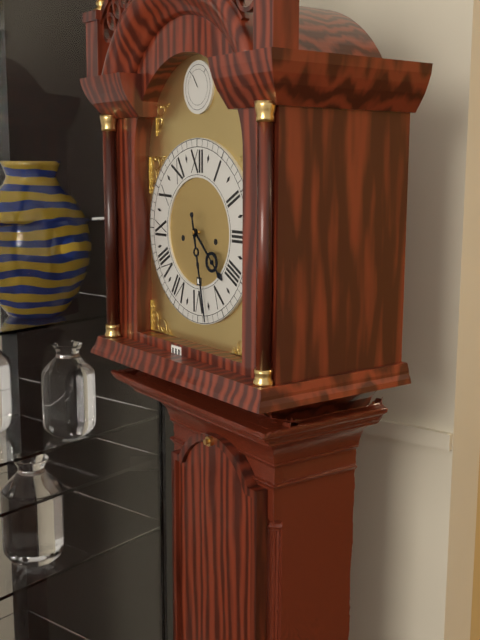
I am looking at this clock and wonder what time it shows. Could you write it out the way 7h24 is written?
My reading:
4h28
